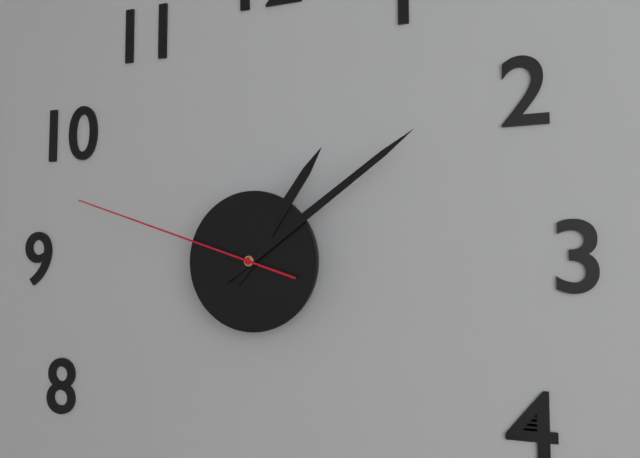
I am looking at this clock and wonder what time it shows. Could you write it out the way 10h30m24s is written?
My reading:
1h09m48s
